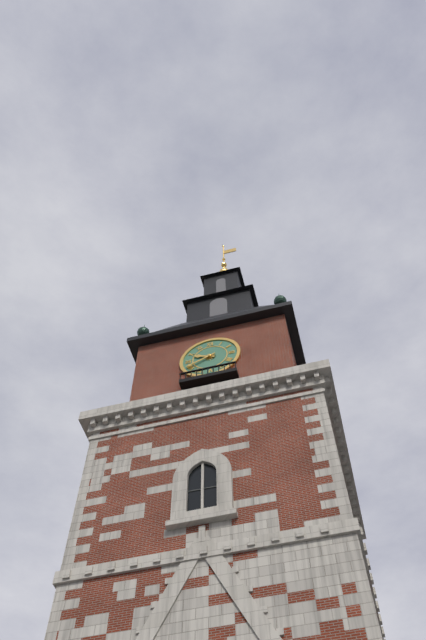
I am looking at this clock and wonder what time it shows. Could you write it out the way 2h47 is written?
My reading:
9h41
